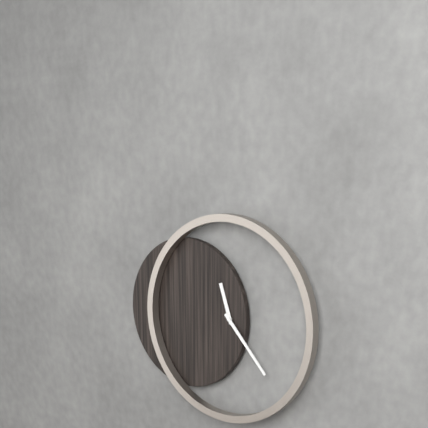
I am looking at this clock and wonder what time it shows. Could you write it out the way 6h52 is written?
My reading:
11h23
